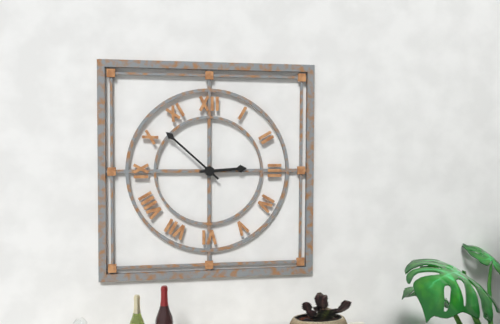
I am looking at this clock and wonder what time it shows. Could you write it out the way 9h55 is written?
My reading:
2h52
